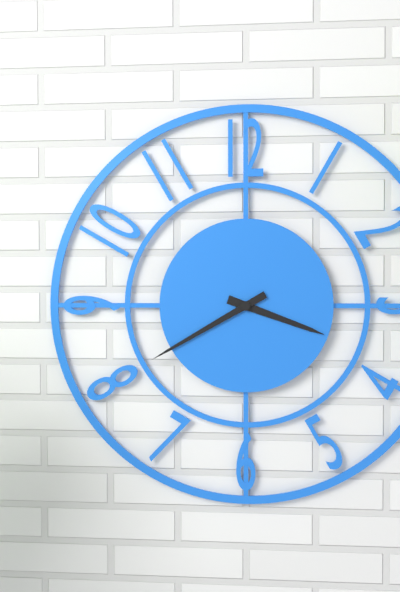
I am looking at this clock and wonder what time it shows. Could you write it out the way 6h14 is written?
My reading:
3h40
